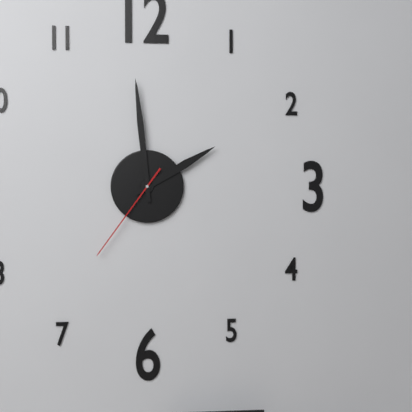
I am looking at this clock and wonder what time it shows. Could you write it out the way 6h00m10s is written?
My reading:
1h59m36s
